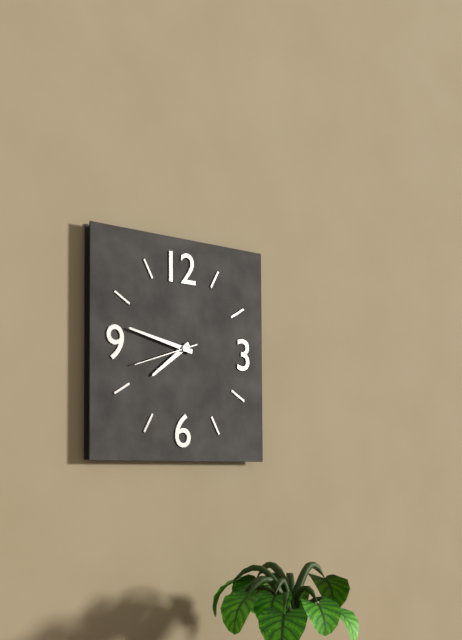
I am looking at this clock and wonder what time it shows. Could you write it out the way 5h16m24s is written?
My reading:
7h47m42s
